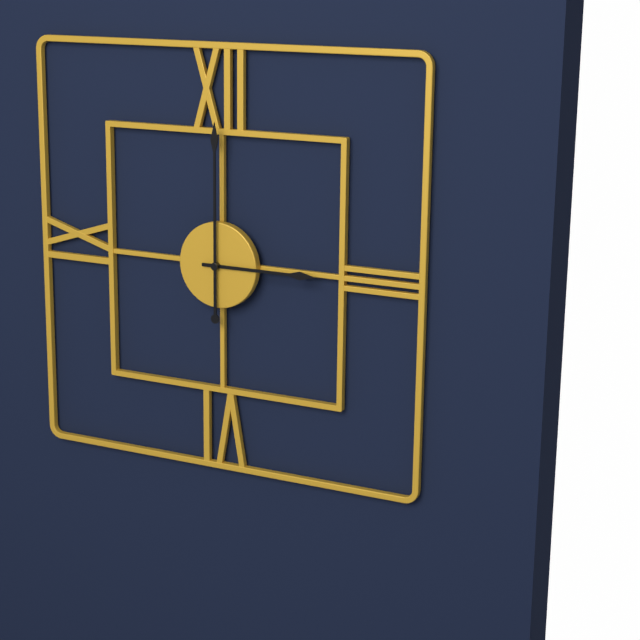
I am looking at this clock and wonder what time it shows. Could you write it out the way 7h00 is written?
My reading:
3h00
